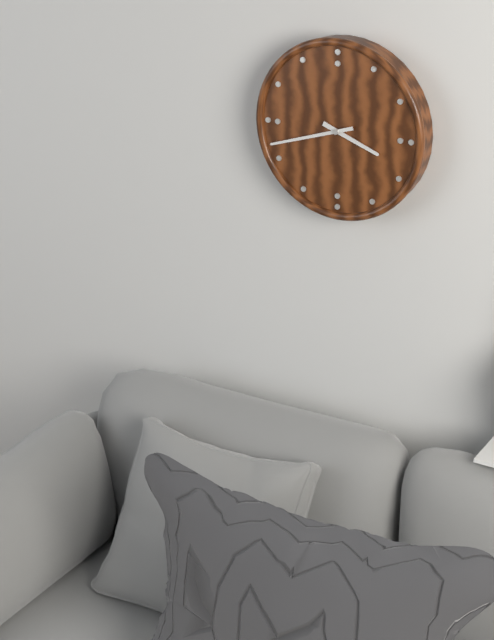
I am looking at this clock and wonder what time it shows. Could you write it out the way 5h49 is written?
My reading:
3h42
